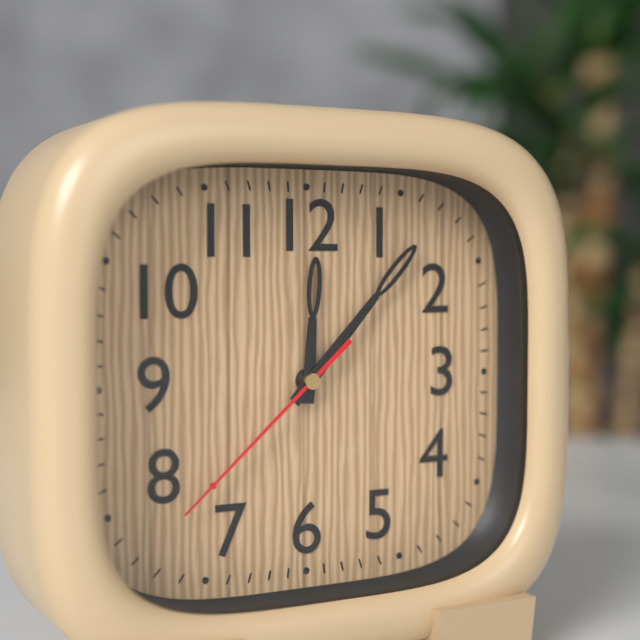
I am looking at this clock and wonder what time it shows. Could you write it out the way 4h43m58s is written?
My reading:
12h07m38s
